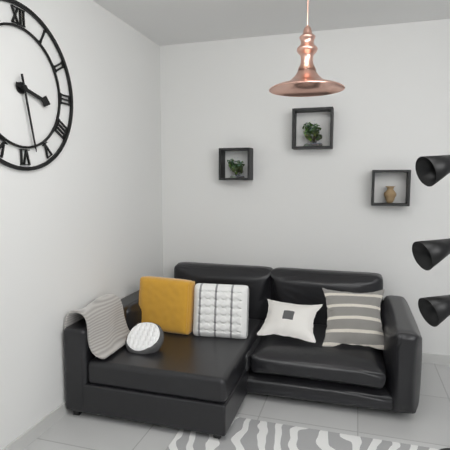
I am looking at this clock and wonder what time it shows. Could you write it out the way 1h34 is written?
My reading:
3h28
